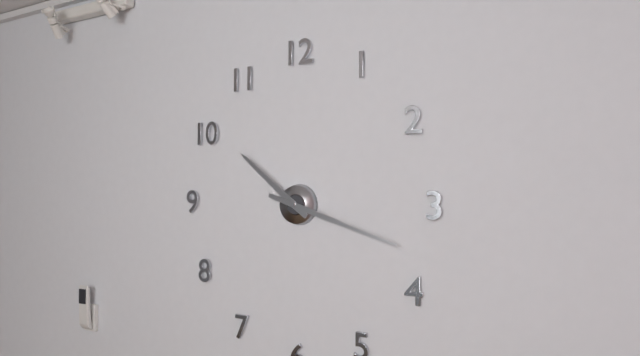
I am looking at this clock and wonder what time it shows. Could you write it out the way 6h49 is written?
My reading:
10h18
